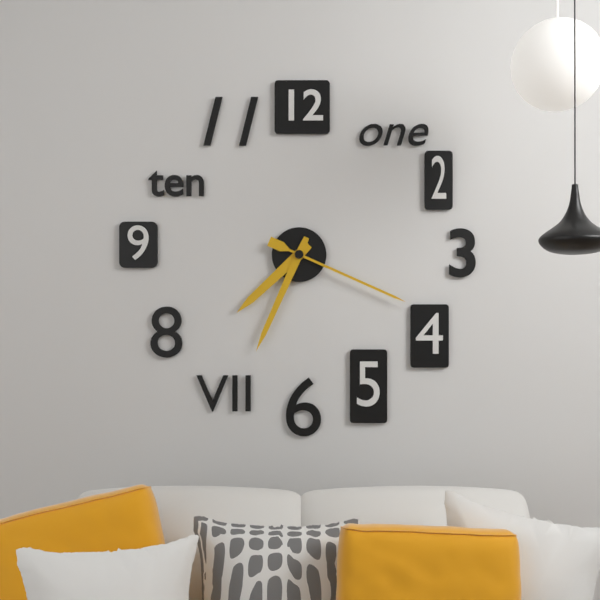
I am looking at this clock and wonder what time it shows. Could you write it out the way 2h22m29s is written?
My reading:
7h34m19s
